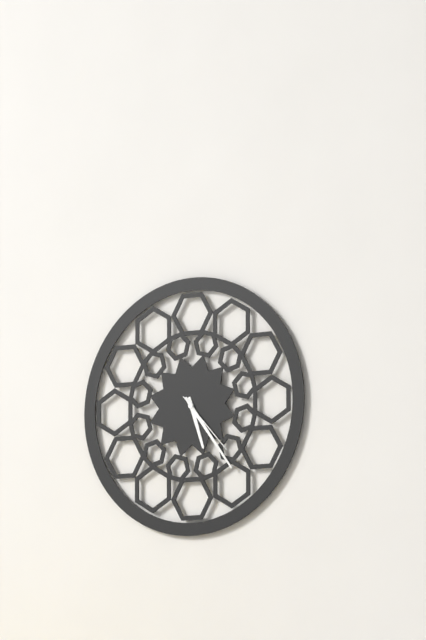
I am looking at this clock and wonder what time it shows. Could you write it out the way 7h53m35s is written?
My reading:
5h24m23s
